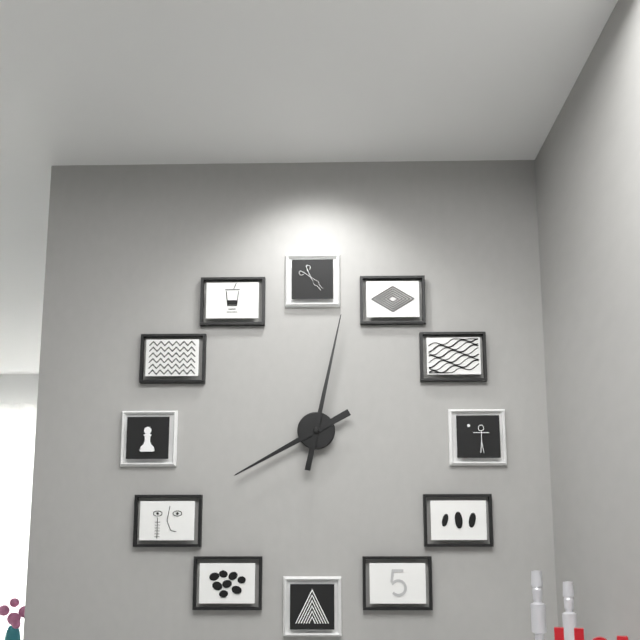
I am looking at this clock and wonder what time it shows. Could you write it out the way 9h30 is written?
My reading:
8h02
